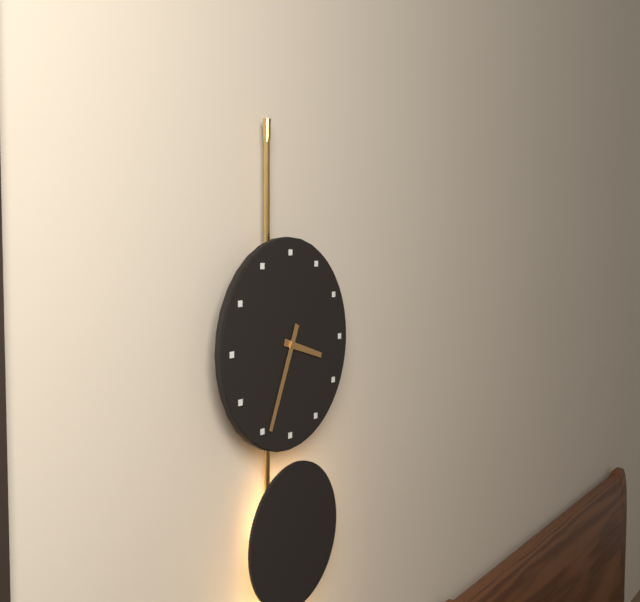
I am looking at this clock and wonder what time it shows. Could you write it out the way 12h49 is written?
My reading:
3h34
